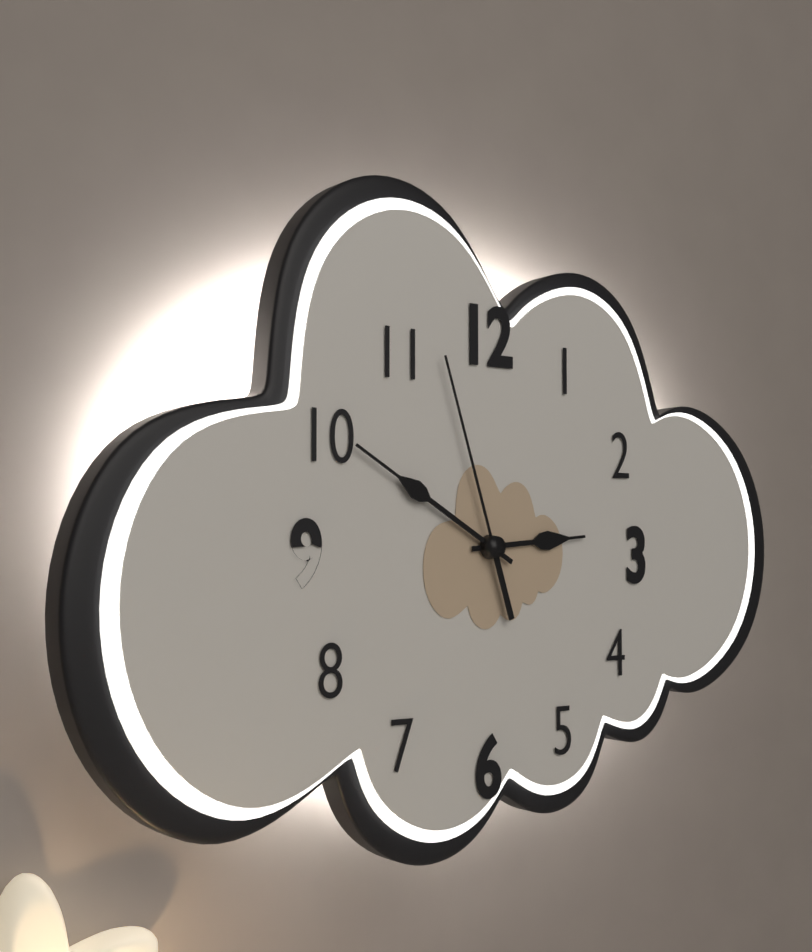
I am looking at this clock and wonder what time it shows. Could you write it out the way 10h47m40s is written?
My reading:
2h50m57s
